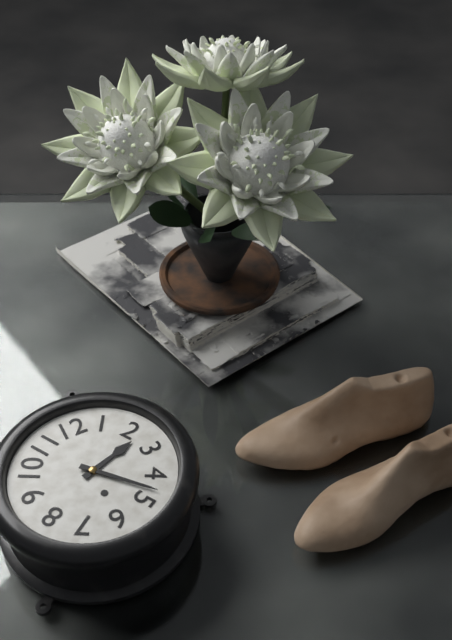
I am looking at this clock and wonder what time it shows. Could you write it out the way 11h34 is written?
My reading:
2h23
